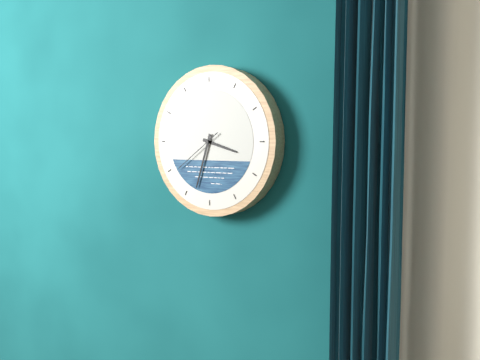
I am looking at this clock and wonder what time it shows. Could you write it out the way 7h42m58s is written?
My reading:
3h33m39s
